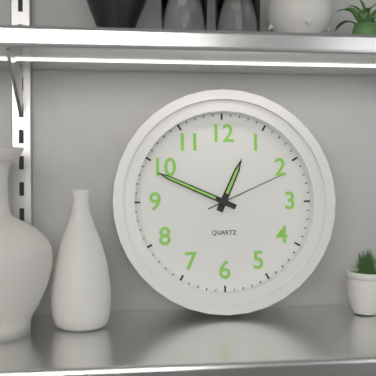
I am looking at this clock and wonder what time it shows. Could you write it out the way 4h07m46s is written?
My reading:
12h49m11s
